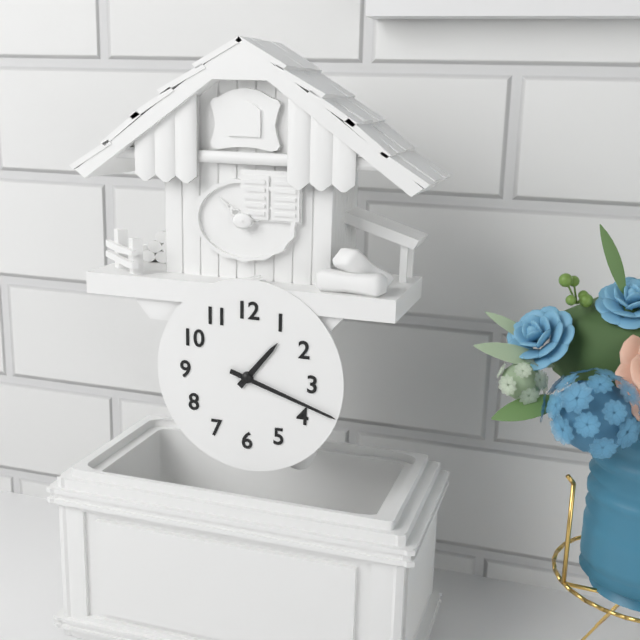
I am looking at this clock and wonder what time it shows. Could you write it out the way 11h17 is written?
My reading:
1h18
